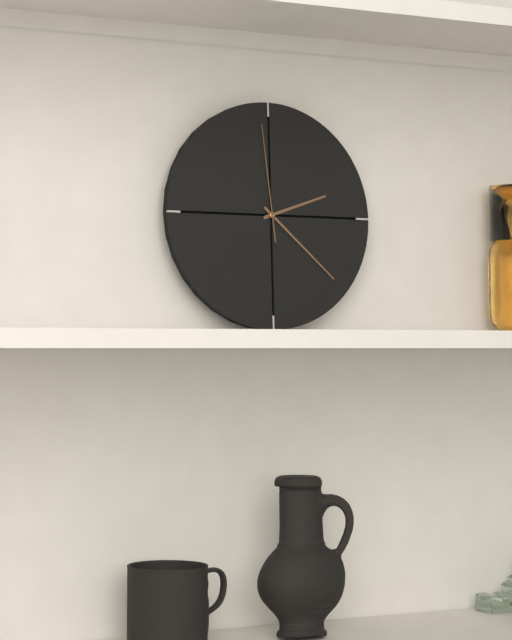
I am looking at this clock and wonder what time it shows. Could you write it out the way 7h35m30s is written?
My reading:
2h22m59s
